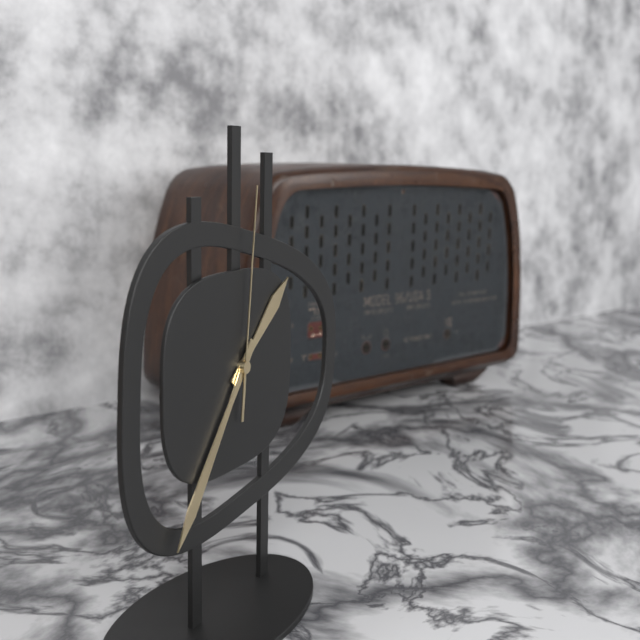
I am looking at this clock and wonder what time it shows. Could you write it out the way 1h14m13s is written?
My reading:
1h36m01s
